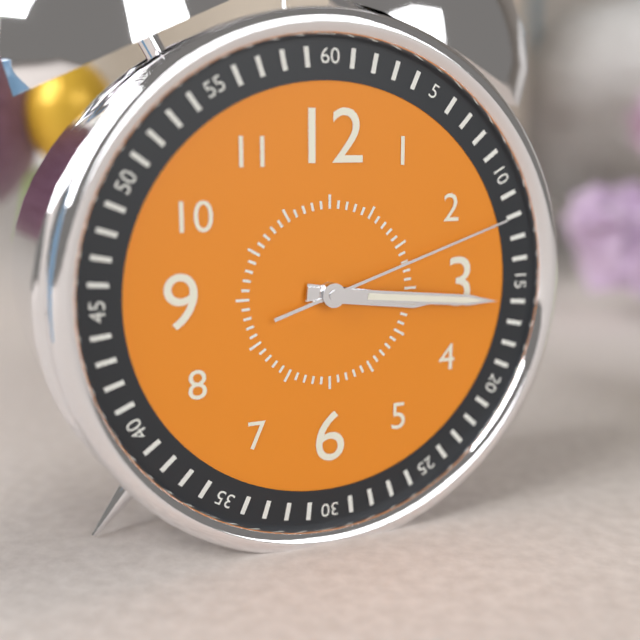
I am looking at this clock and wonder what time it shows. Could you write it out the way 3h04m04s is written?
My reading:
3h16m12s
